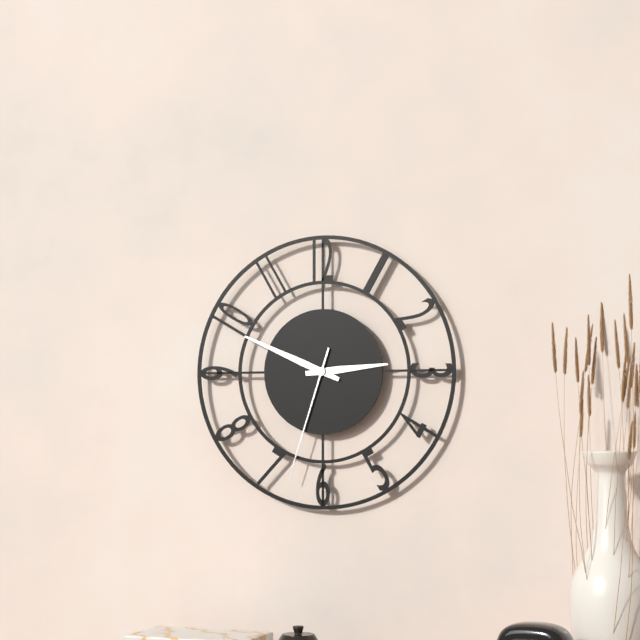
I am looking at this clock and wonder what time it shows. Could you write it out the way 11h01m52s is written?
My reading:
2h49m33s
